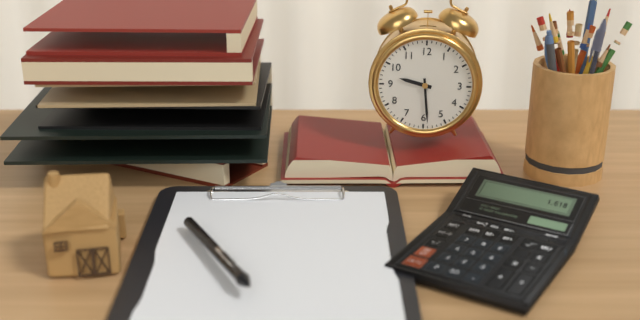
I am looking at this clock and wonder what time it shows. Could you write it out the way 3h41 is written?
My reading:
9h29
